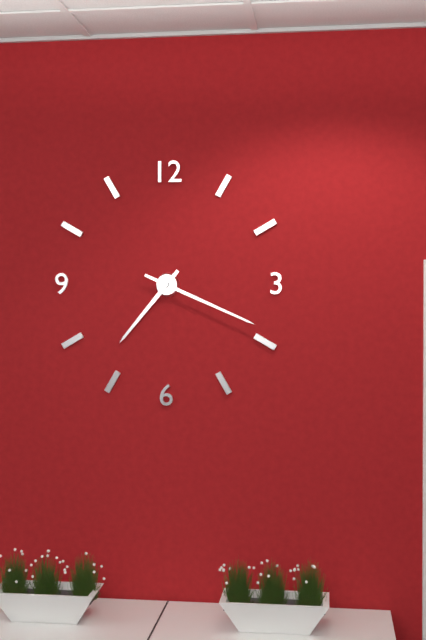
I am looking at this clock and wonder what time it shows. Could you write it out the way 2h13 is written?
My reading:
7h19
